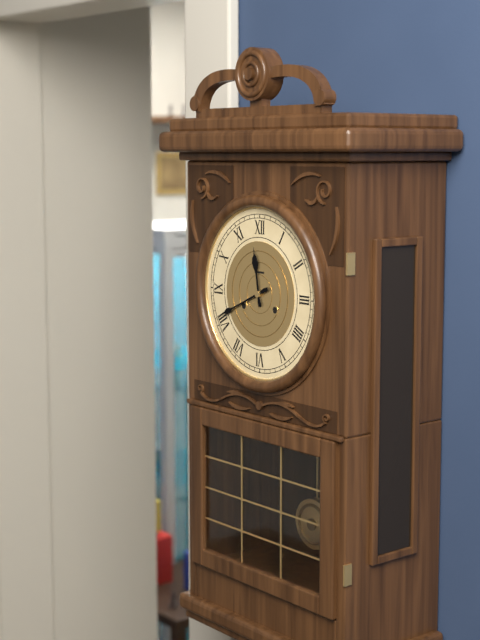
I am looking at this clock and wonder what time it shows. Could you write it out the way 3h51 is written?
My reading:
11h41
